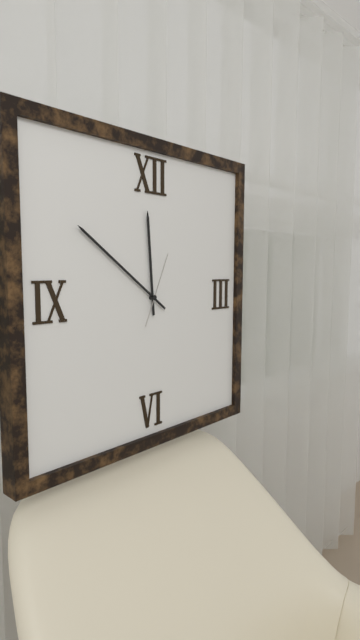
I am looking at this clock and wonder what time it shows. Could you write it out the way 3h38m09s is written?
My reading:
11h51m04s
